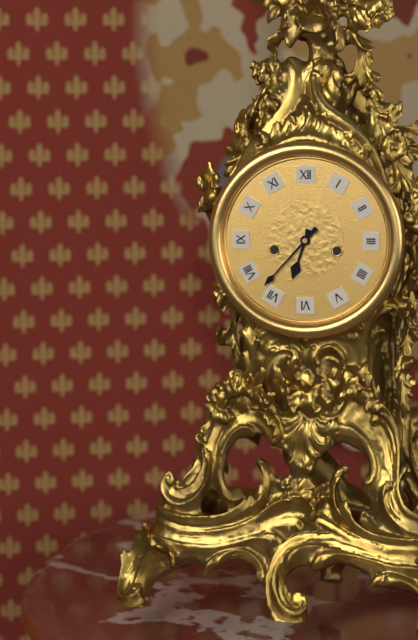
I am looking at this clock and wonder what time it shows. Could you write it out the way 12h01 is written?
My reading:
6h37
